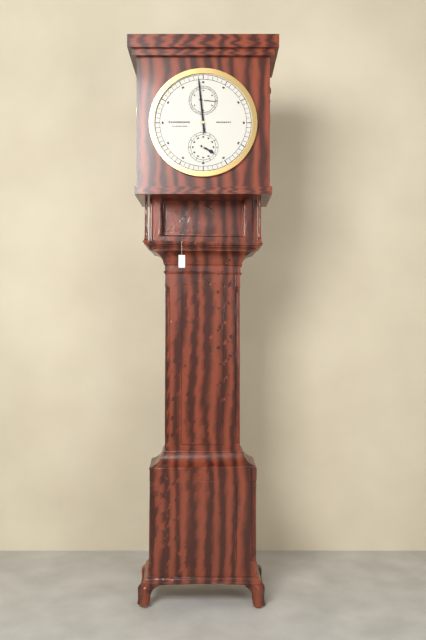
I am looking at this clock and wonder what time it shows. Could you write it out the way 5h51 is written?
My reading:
3h59
